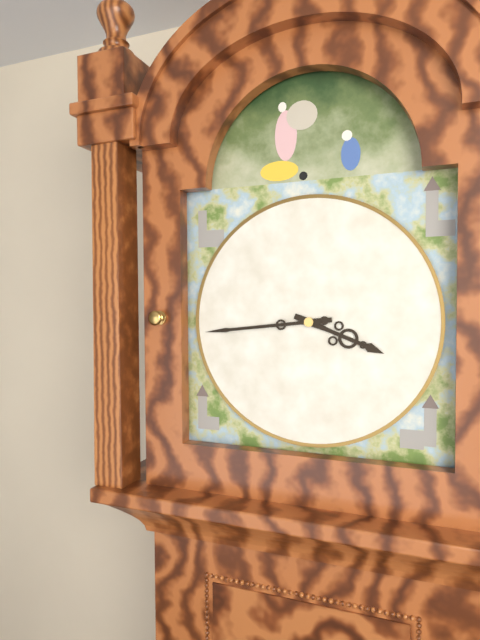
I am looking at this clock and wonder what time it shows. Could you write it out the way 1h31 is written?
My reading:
3h44
